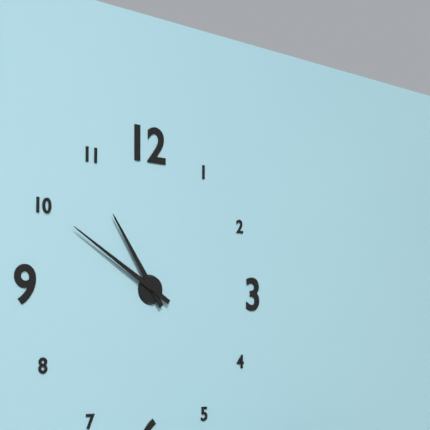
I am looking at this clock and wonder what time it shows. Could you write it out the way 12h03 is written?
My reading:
10h50
